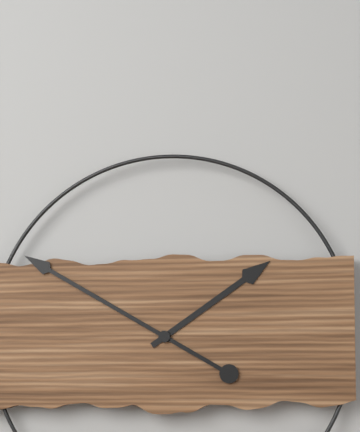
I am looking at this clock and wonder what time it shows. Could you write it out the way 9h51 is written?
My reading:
1h50
